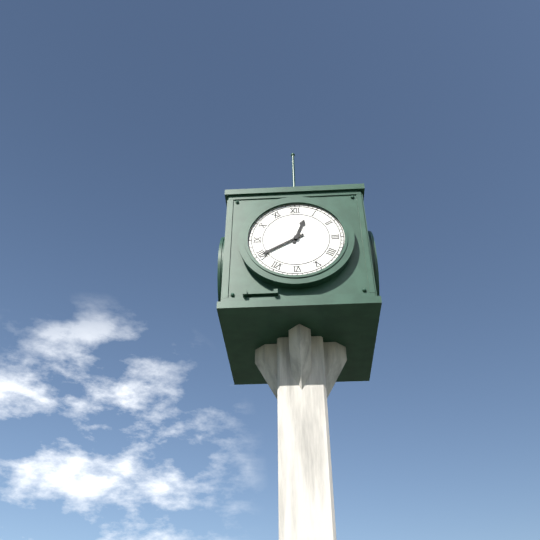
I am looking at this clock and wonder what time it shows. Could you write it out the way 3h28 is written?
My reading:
12h40
